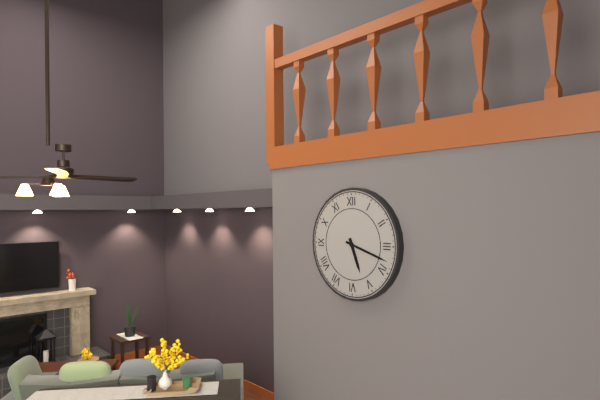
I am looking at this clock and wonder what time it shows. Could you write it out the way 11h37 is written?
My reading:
5h18
